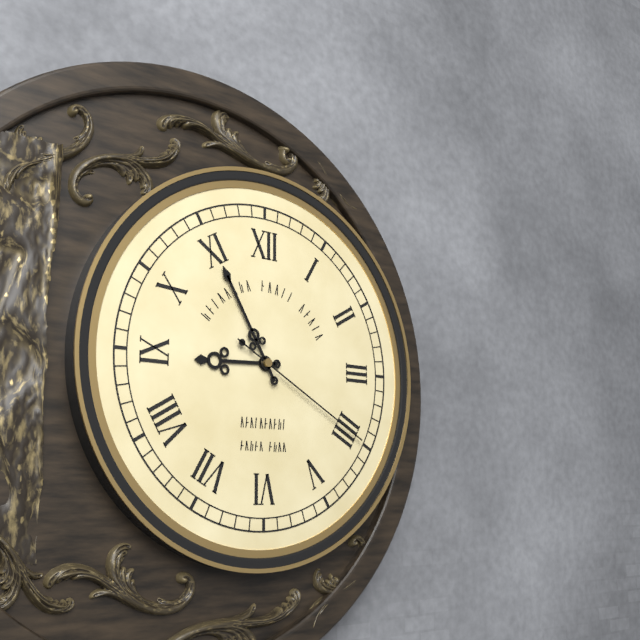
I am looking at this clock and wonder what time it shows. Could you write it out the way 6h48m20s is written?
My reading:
8h55m20s
